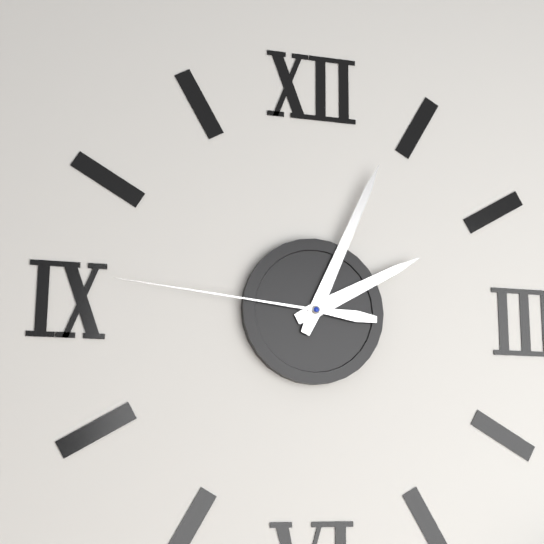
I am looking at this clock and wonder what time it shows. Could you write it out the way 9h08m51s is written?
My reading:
2h04m46s
